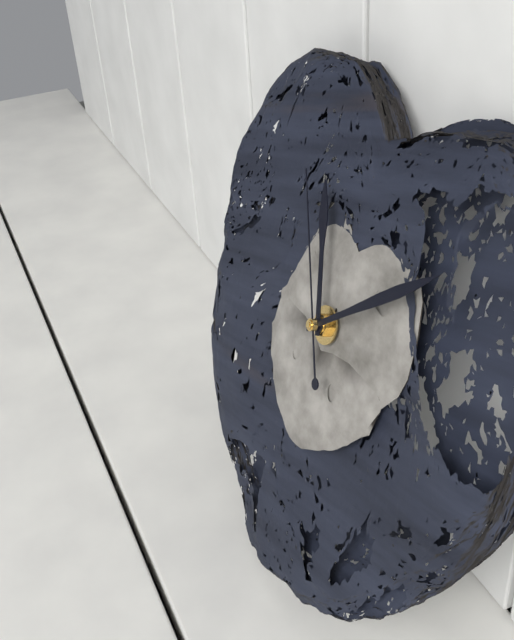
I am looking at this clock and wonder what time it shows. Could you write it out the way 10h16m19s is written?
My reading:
11h08m54s
